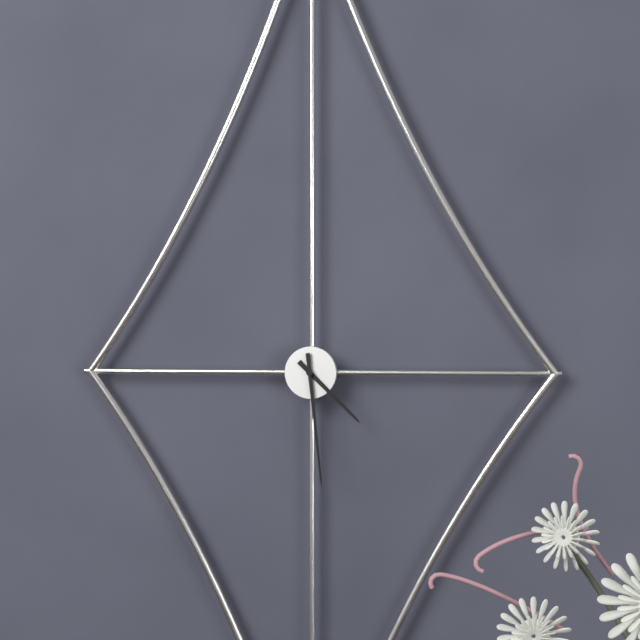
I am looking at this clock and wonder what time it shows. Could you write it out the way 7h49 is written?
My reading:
4h29
